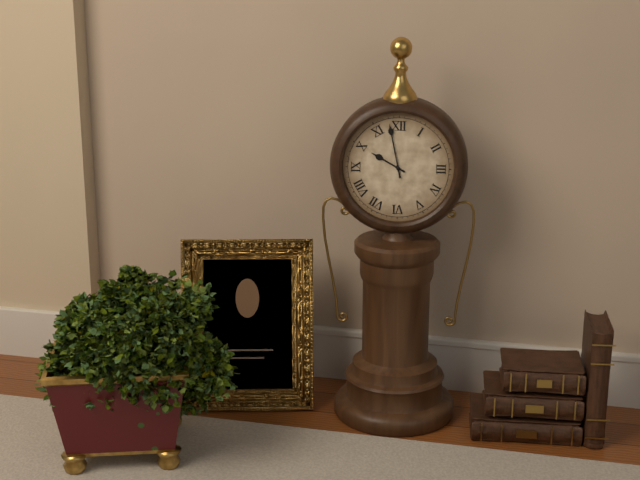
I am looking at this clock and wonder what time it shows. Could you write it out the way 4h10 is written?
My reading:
9h58
